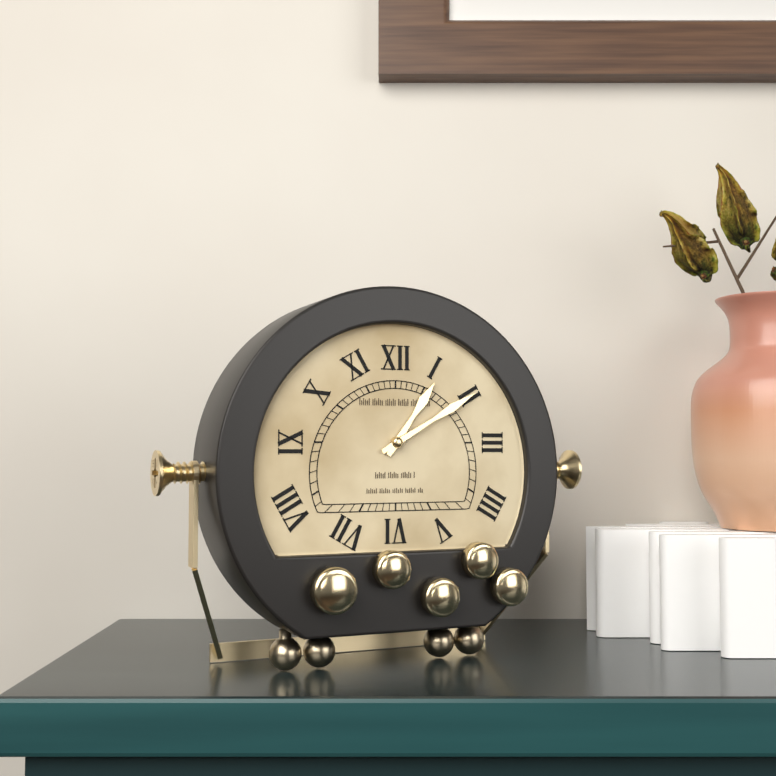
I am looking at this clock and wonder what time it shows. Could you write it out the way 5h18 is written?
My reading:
1h10
